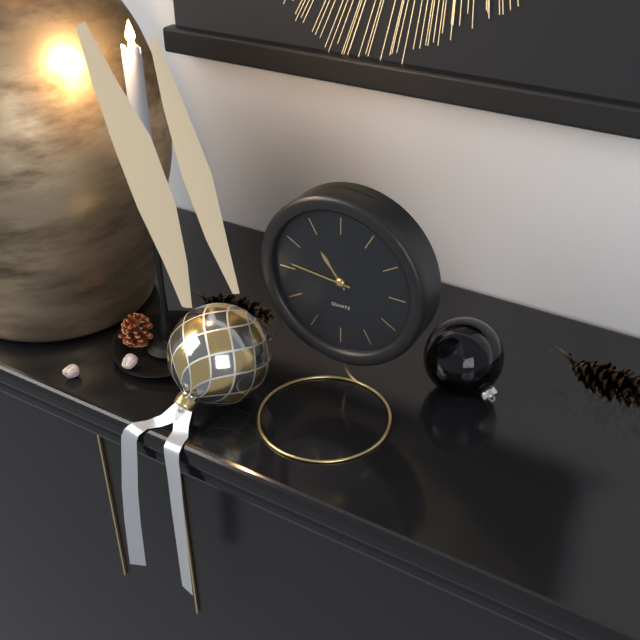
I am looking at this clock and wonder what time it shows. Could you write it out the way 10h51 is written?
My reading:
10h46
